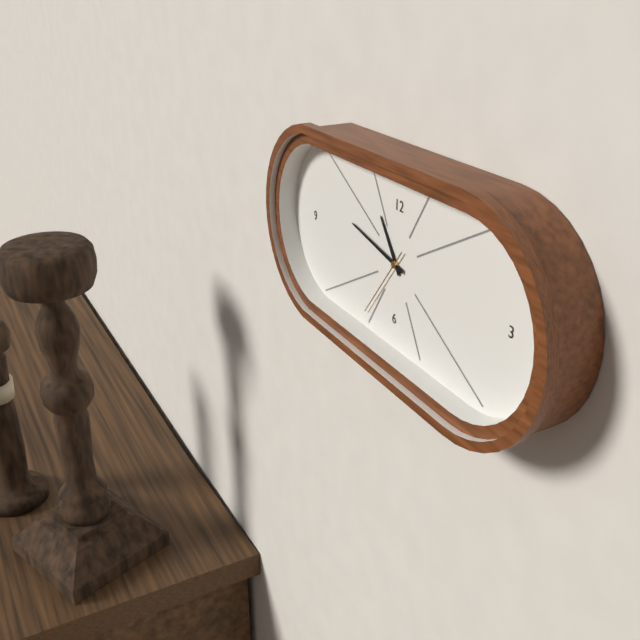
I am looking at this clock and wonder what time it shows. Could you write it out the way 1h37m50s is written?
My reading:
10h47m36s
